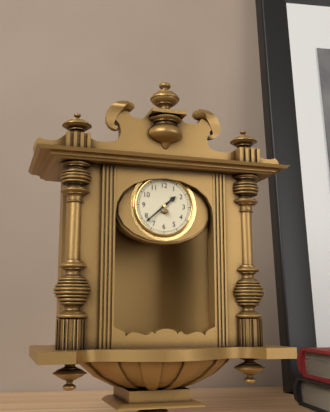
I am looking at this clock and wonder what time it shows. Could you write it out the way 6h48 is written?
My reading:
1h38
